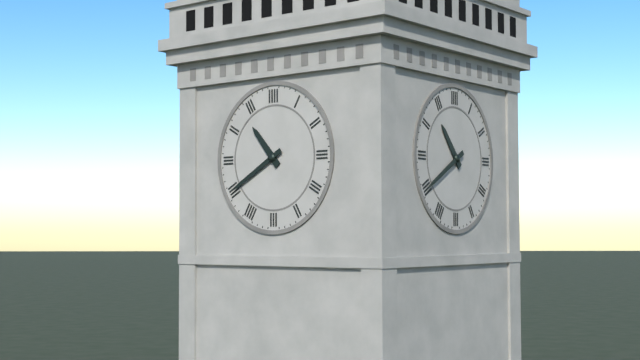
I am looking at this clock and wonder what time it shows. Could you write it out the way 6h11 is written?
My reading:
10h40
